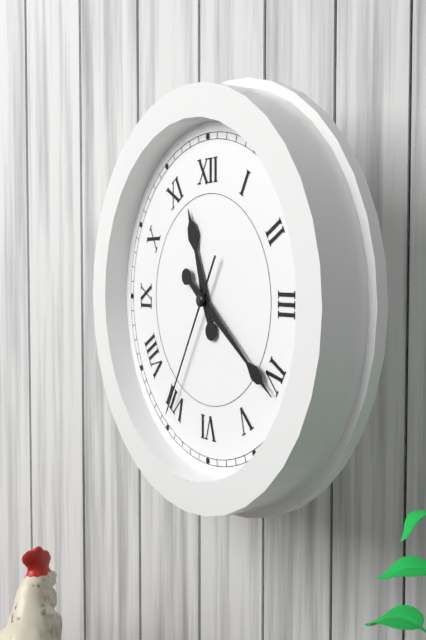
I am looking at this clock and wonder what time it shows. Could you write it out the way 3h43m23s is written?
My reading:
11h21m35s
